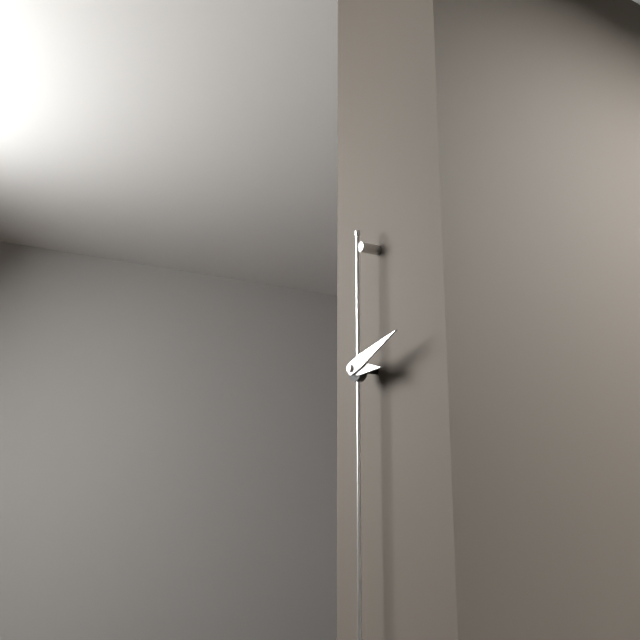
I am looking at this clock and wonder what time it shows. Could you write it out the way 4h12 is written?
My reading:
3h12
